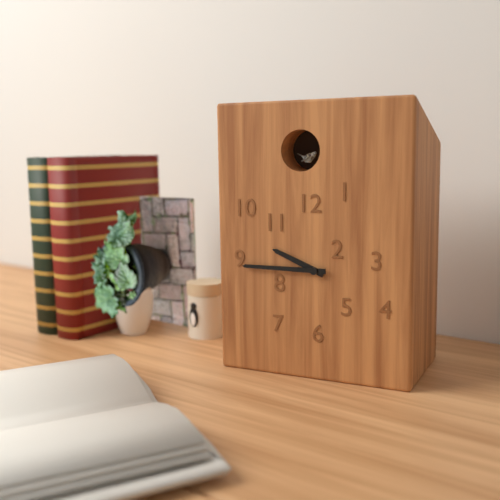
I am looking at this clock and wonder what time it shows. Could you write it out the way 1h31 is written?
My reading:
9h45
